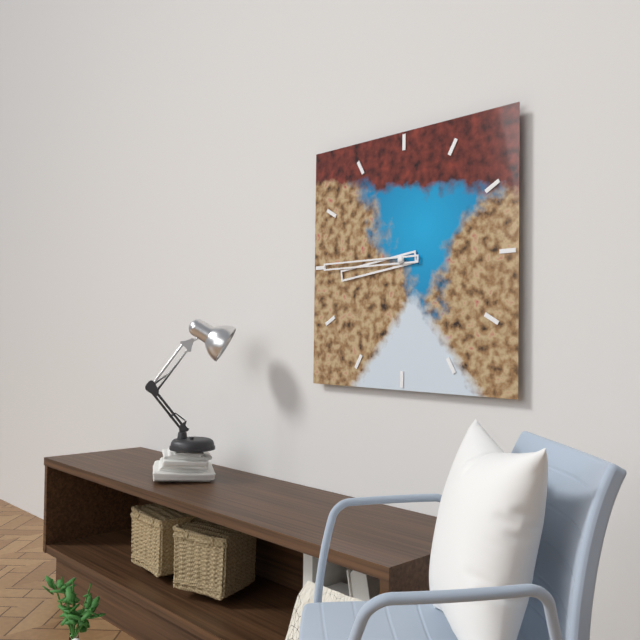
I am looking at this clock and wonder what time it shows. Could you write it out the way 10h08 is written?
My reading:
8h45
